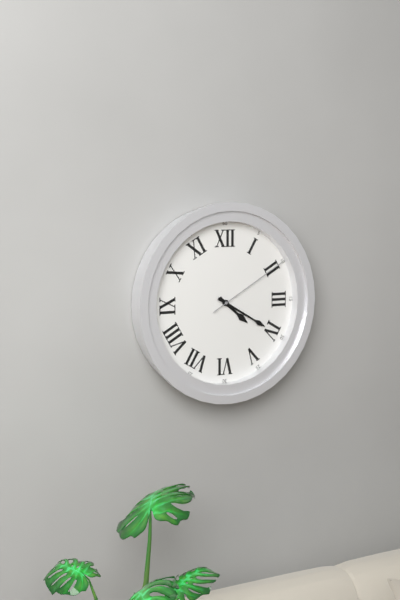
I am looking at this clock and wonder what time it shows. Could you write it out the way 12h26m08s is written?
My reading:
4h20m10s
